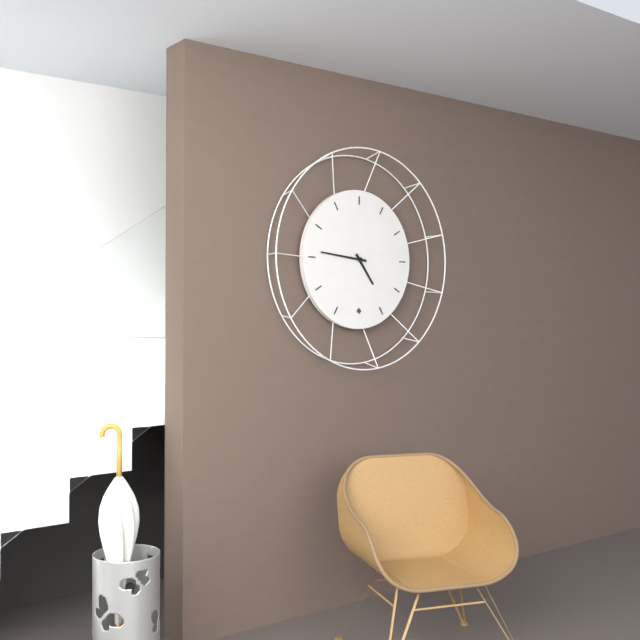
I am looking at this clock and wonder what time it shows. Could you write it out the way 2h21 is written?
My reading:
4h46
